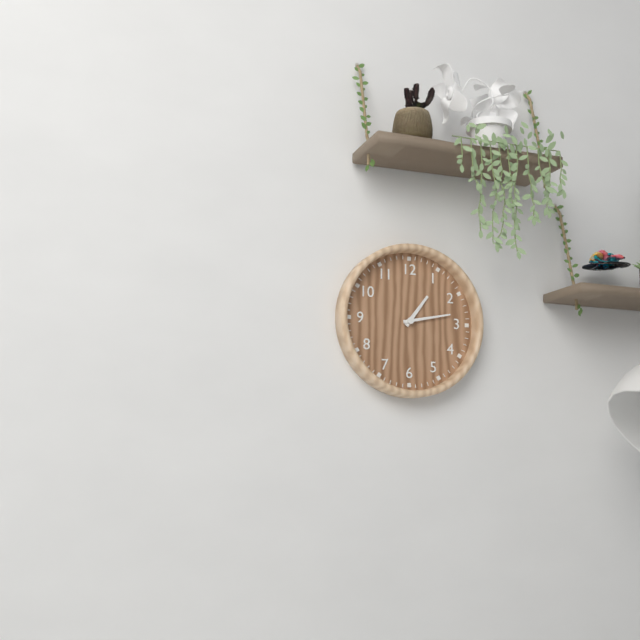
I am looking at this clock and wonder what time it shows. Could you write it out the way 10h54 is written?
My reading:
1h13
